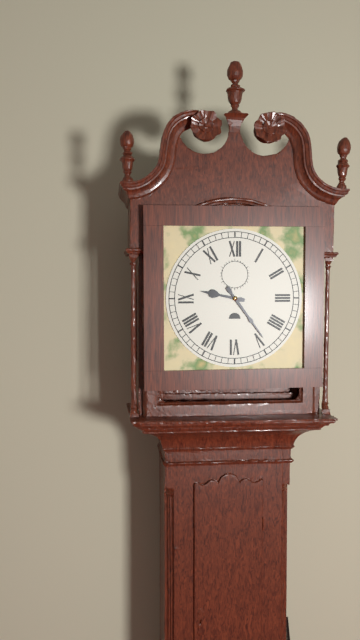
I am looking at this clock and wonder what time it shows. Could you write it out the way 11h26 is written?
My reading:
9h24
